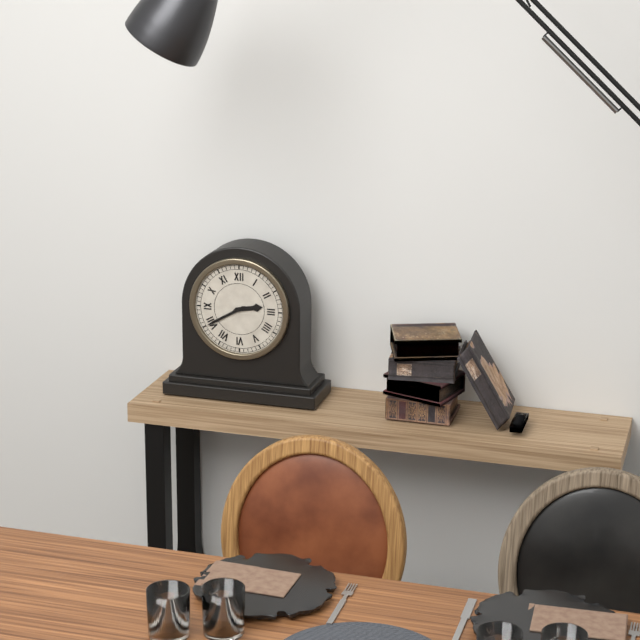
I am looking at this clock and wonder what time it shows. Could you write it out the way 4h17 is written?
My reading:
2h40
